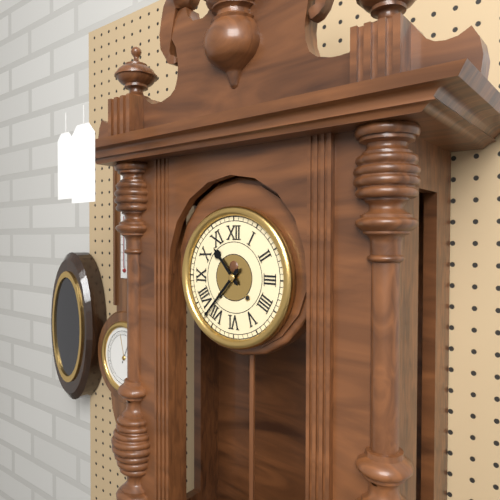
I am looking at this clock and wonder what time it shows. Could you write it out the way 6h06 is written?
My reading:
10h37
